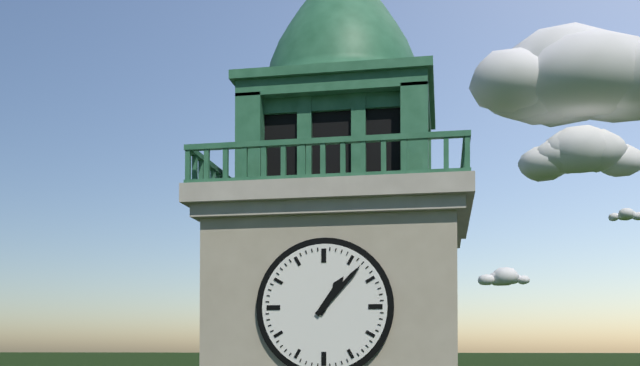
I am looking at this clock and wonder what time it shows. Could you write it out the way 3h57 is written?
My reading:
1h07
